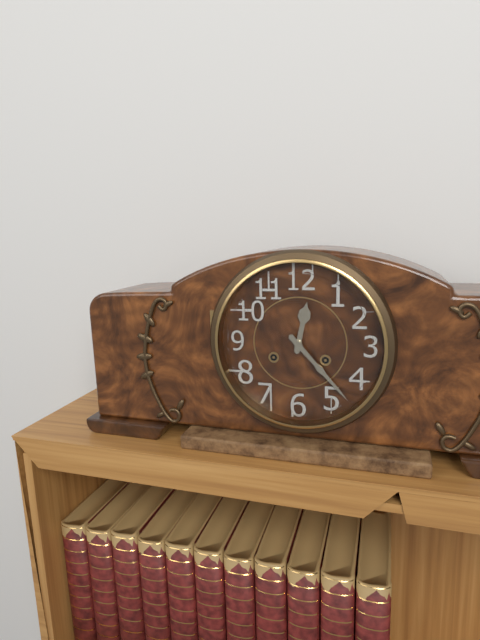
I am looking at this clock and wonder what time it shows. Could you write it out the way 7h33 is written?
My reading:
12h23
